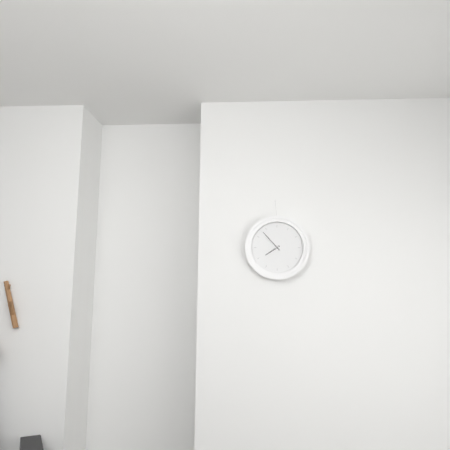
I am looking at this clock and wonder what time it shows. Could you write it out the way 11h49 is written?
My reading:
7h53
